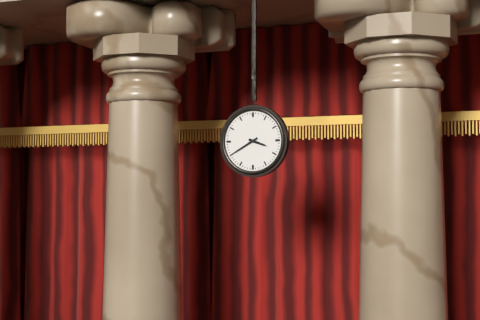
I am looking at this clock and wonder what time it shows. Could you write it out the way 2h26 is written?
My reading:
3h40
